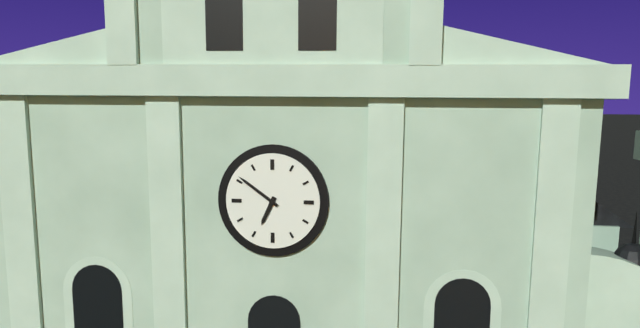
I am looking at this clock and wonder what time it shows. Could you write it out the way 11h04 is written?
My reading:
6h51
